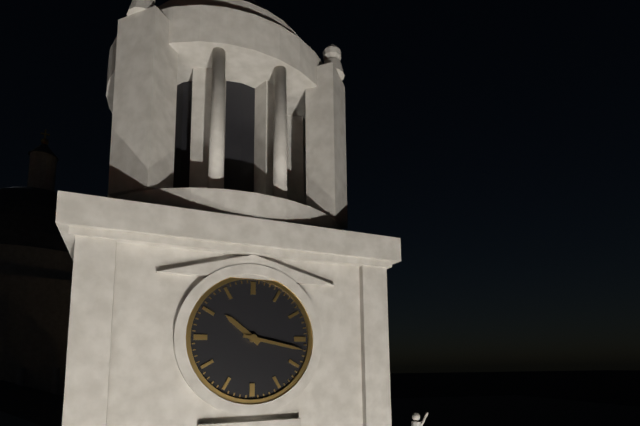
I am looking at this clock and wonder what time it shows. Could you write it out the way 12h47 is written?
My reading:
10h17
